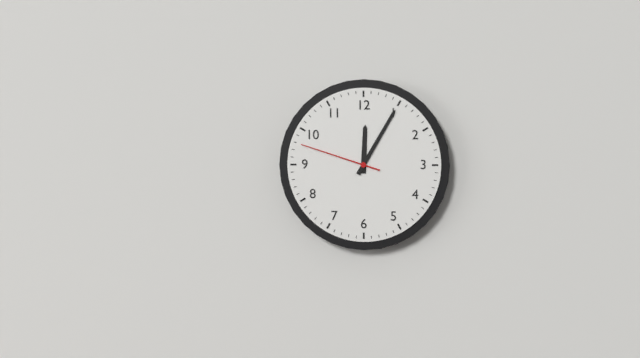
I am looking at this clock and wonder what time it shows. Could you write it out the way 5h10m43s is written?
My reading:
12h05m48s
